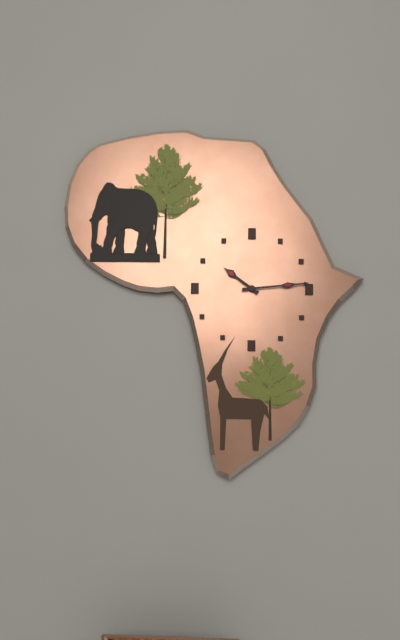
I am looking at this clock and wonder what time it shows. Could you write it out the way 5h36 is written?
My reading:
10h14
